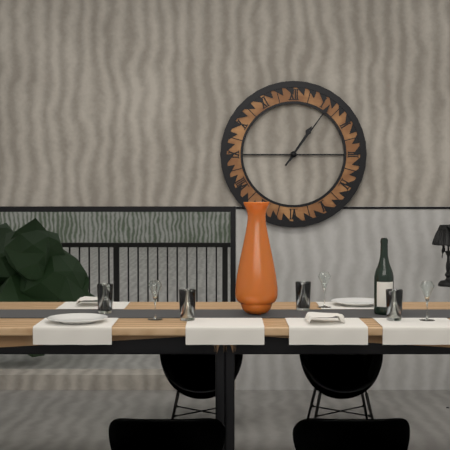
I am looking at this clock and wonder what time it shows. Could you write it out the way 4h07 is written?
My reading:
1h06
